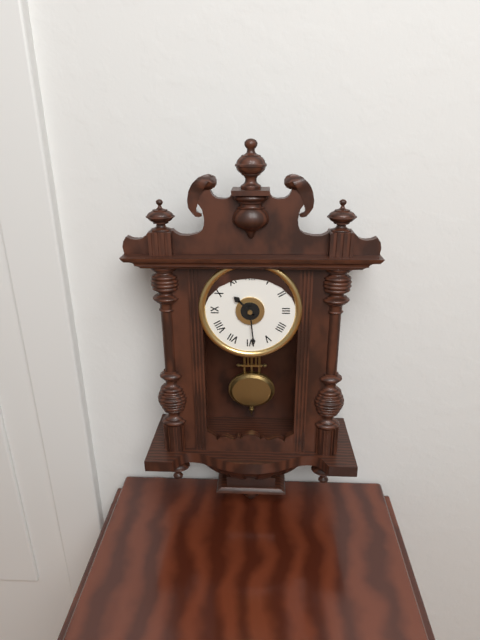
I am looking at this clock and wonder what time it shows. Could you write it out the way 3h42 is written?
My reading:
10h29
